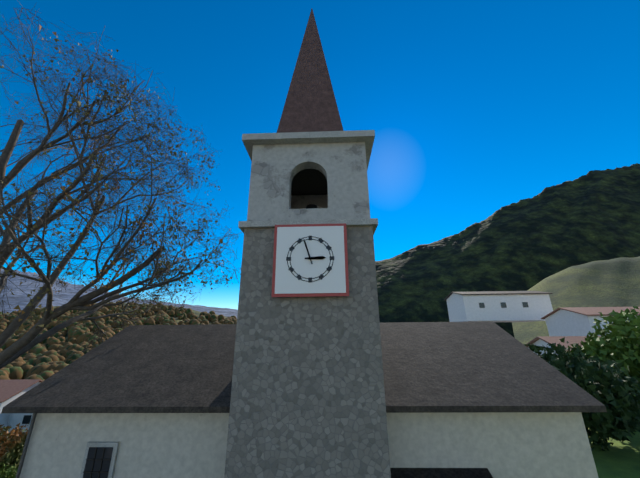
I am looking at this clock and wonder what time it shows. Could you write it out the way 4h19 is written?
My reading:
2h57
